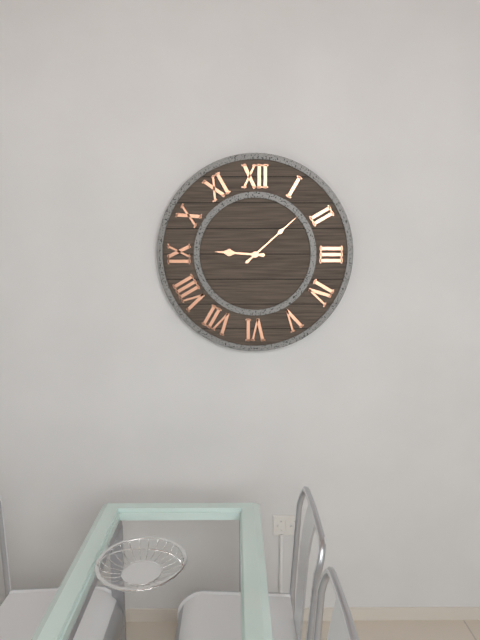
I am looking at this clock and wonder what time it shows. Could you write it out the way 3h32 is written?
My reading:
9h08
